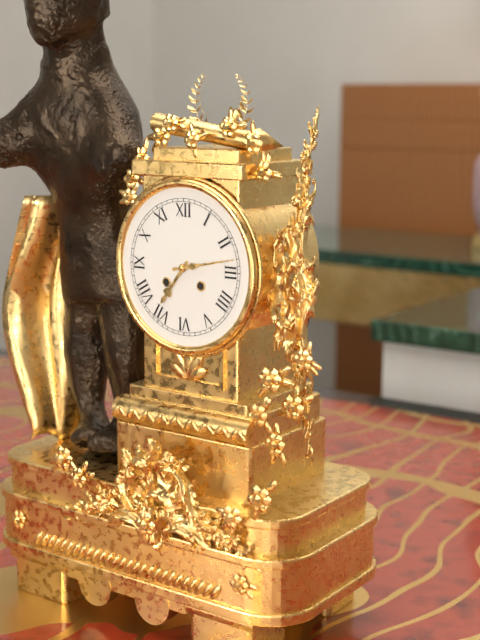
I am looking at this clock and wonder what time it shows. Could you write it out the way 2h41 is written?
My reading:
7h13
